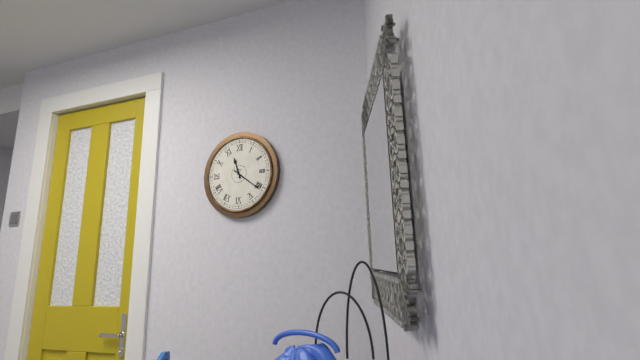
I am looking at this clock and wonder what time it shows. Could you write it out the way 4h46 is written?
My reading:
11h21
